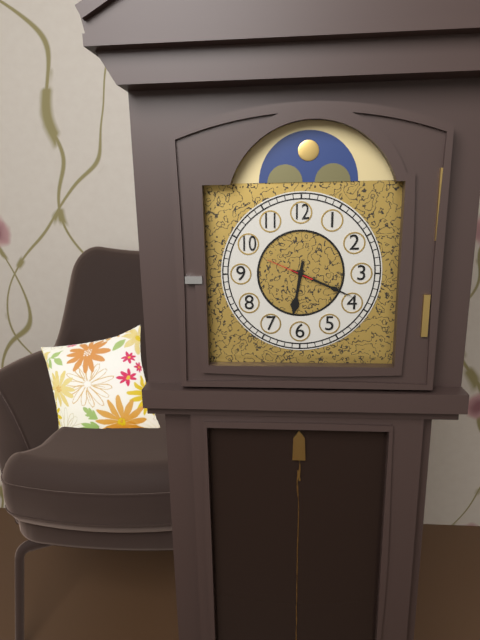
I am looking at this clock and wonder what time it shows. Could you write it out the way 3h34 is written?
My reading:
6h19
